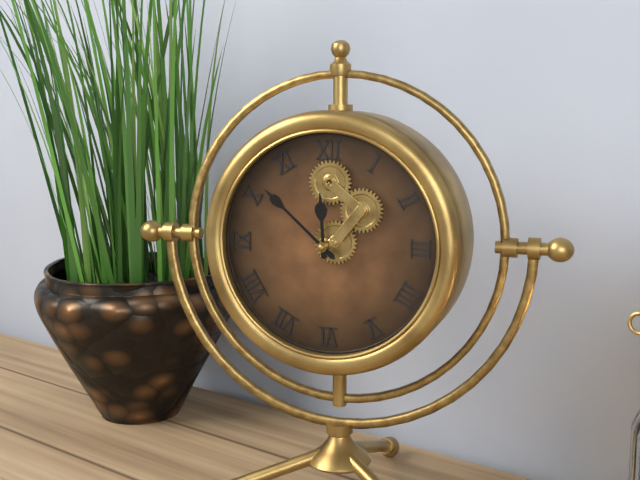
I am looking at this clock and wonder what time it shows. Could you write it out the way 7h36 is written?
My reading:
11h52
